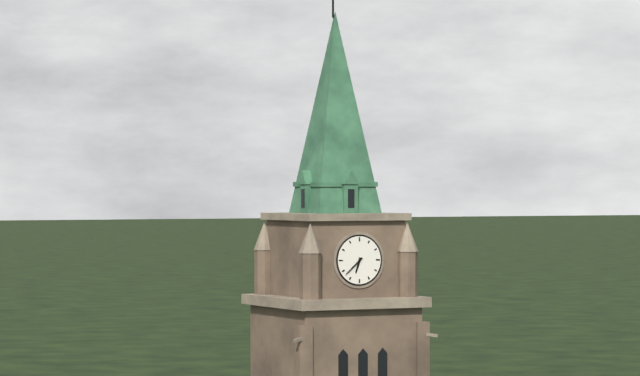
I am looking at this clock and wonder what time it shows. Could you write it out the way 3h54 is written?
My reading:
6h38
